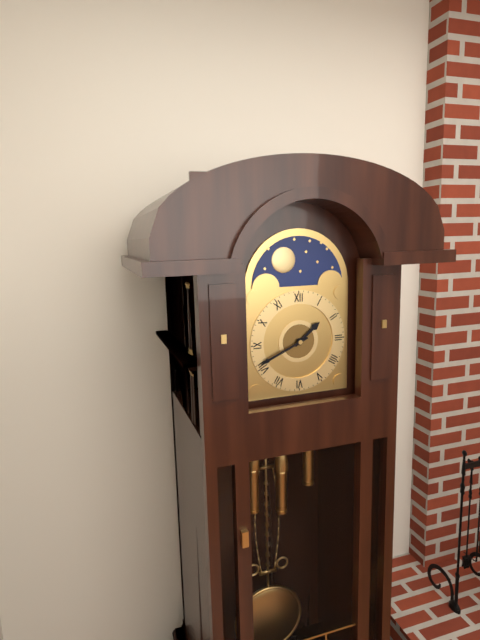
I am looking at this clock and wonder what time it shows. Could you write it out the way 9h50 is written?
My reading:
1h41
